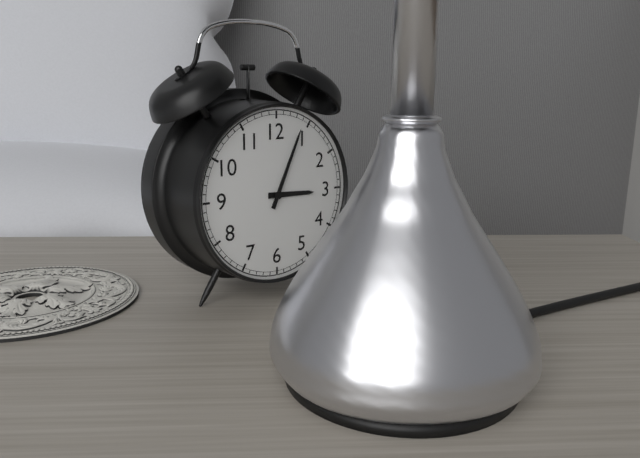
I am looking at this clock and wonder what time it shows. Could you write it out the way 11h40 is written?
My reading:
3h04
